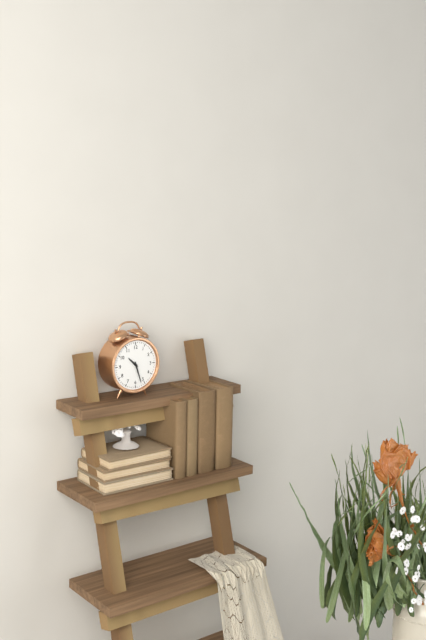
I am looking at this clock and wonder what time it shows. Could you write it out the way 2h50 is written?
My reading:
10h27
